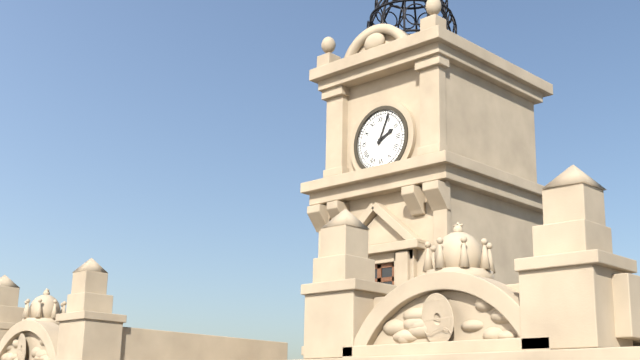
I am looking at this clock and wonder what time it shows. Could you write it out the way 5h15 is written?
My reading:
2h04
